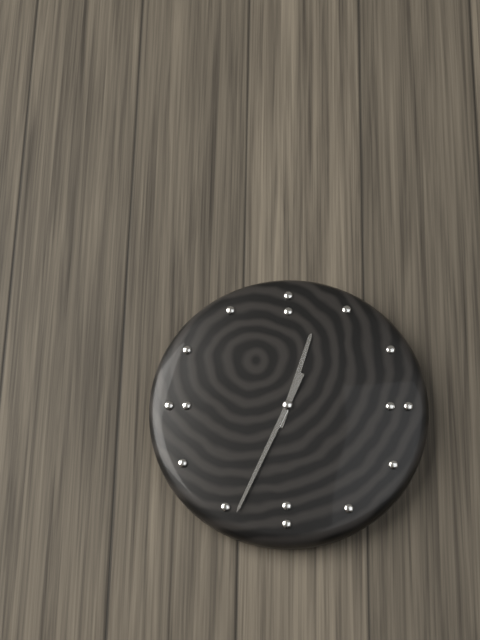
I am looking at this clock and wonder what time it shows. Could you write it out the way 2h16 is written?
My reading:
12h34
